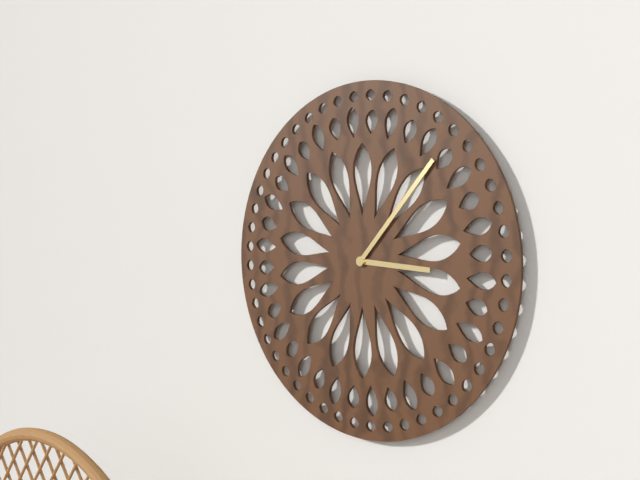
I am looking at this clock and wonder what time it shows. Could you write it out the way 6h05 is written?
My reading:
3h07
